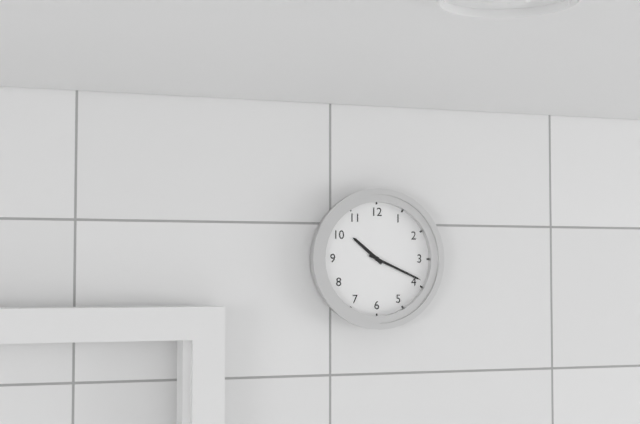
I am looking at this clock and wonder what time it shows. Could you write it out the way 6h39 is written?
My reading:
10h19
